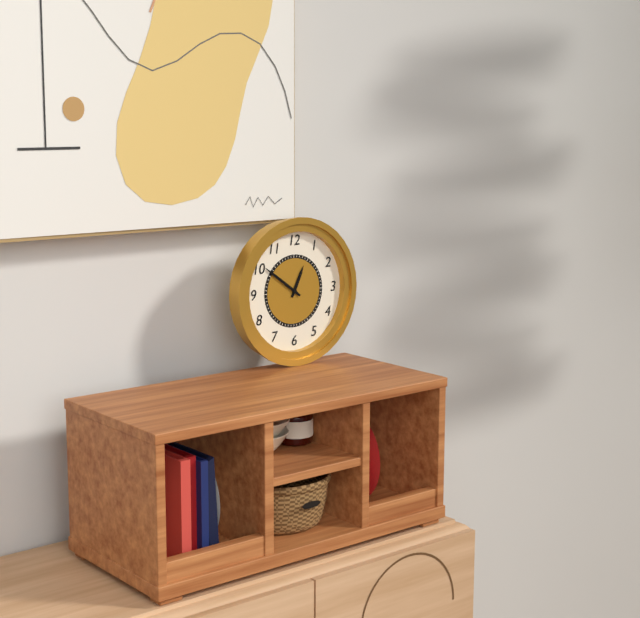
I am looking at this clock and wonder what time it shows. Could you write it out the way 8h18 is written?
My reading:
12h51
